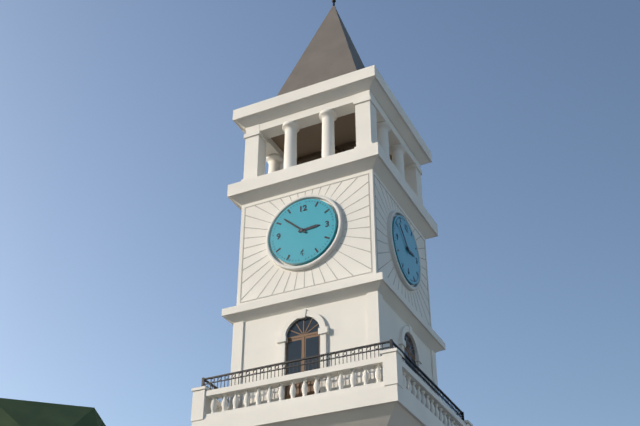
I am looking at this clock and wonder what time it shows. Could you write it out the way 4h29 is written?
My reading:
2h52
